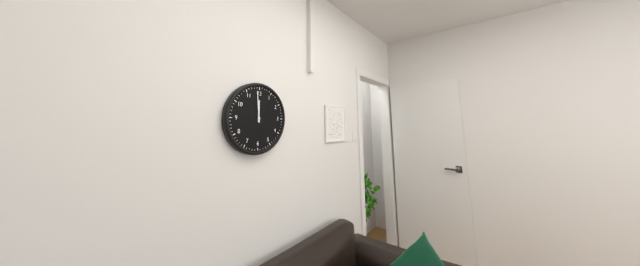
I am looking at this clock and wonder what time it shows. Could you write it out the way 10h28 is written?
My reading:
11h59
